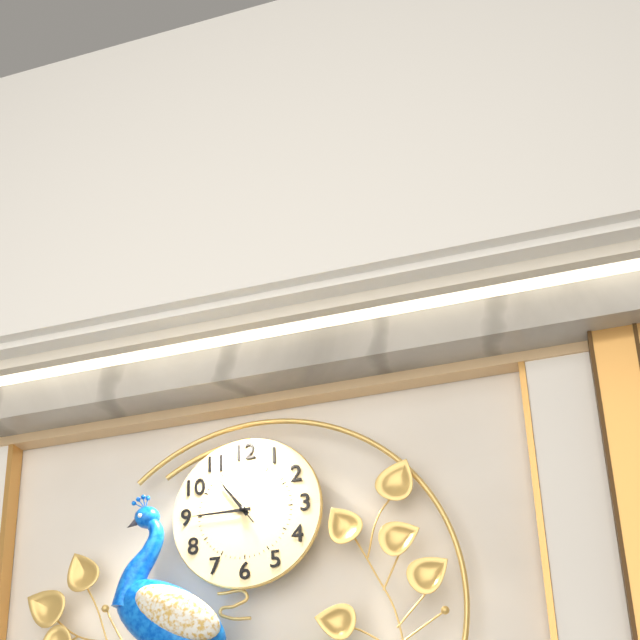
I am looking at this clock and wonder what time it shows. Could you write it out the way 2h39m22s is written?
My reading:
10h45m54s
